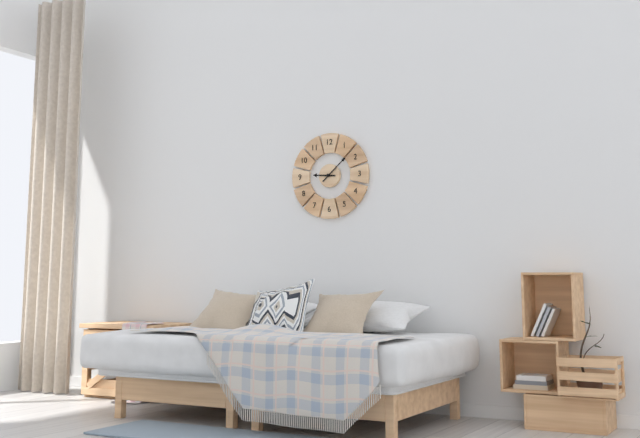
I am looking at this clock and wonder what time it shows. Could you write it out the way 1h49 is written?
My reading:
9h08
